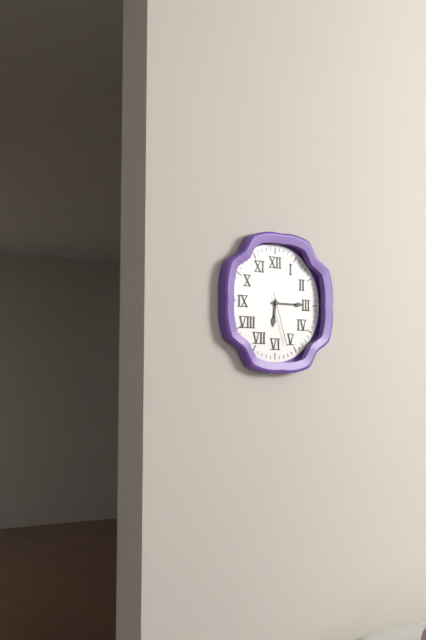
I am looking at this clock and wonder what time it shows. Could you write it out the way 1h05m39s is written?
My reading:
6h15m27s
